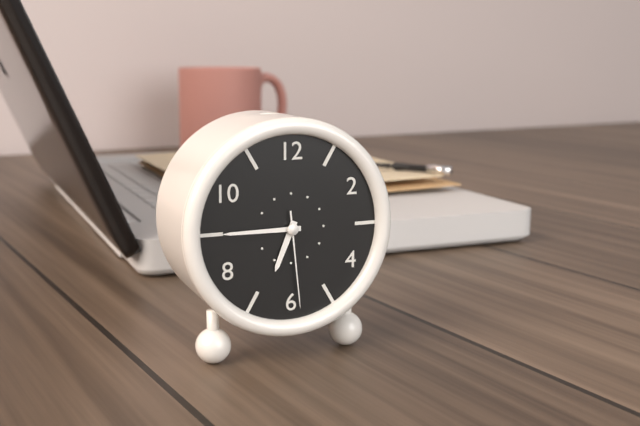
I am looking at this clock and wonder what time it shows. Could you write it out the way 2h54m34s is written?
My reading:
6h45m29s
